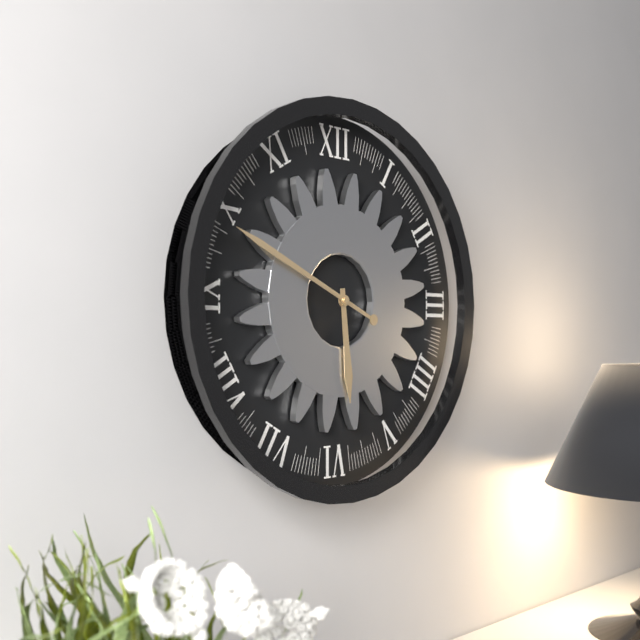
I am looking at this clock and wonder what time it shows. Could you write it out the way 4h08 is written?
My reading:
5h49
